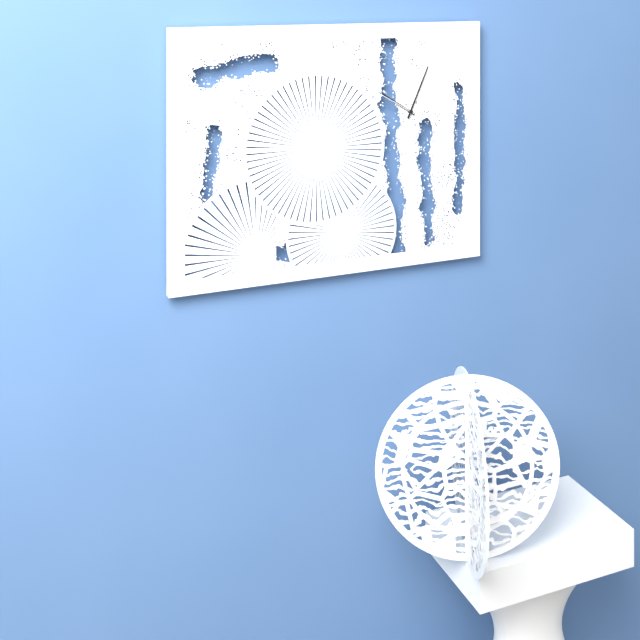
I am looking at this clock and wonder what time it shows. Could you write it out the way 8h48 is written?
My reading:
10h04
